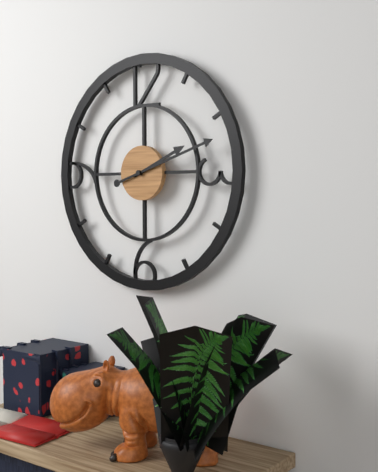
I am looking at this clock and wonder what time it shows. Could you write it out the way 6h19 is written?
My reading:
2h12
